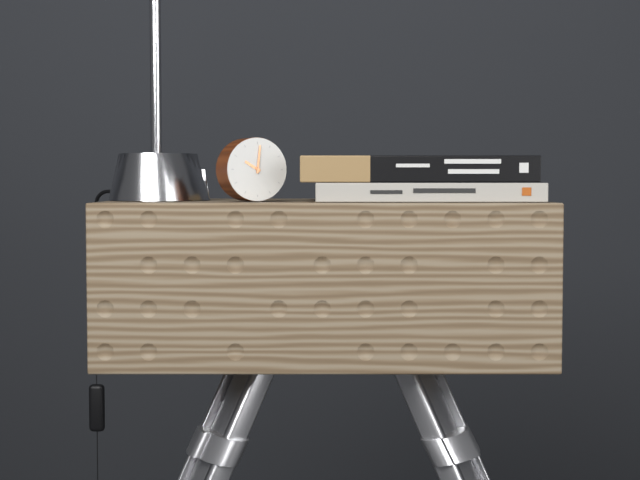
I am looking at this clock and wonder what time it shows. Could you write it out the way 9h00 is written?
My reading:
10h01
